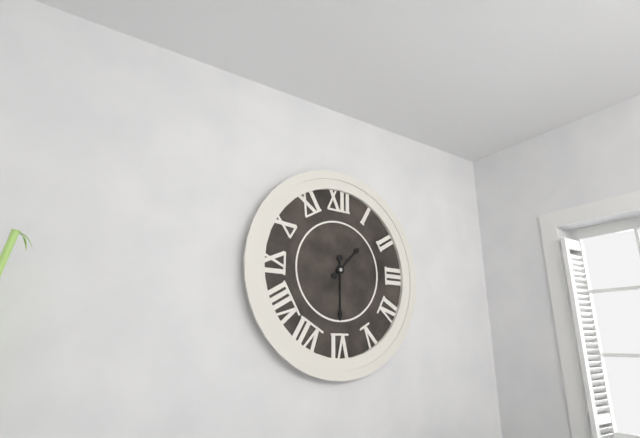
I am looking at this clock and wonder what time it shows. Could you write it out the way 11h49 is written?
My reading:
1h30
